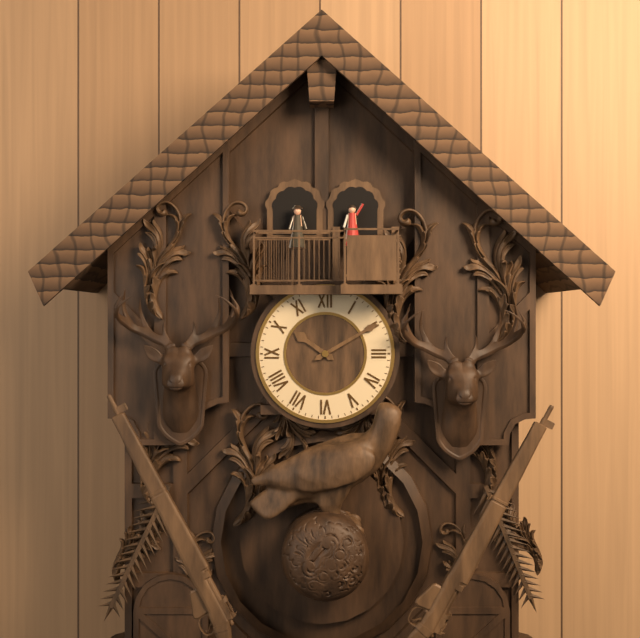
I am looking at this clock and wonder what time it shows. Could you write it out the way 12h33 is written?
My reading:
10h10
